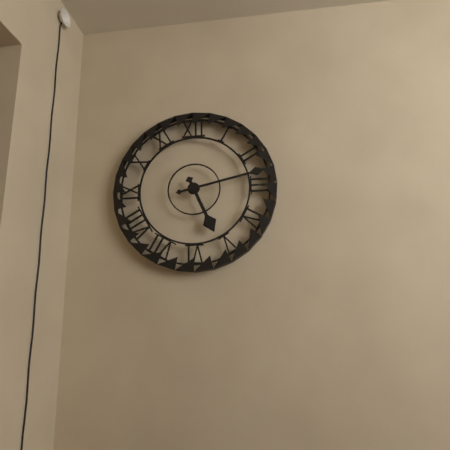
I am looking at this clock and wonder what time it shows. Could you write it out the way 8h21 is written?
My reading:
5h13
